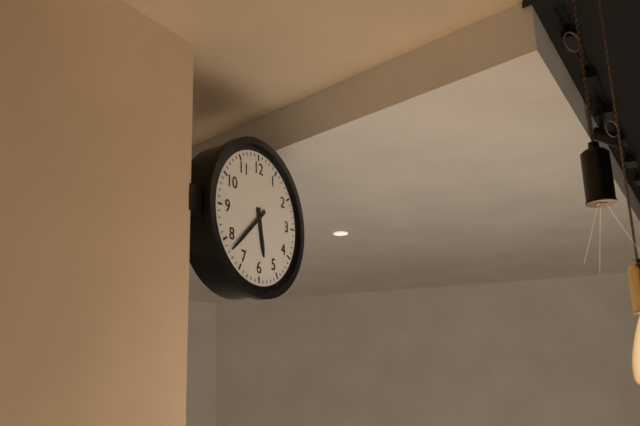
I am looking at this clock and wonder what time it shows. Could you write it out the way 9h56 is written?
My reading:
5h38
